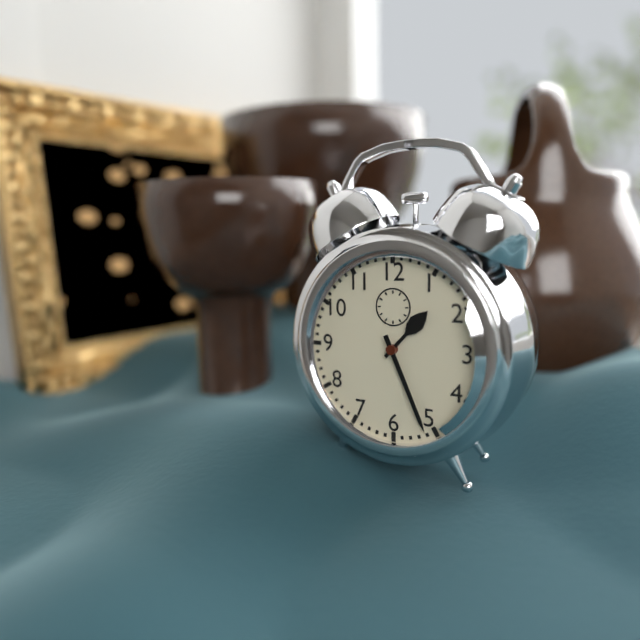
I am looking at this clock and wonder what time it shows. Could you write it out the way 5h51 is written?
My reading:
1h26
